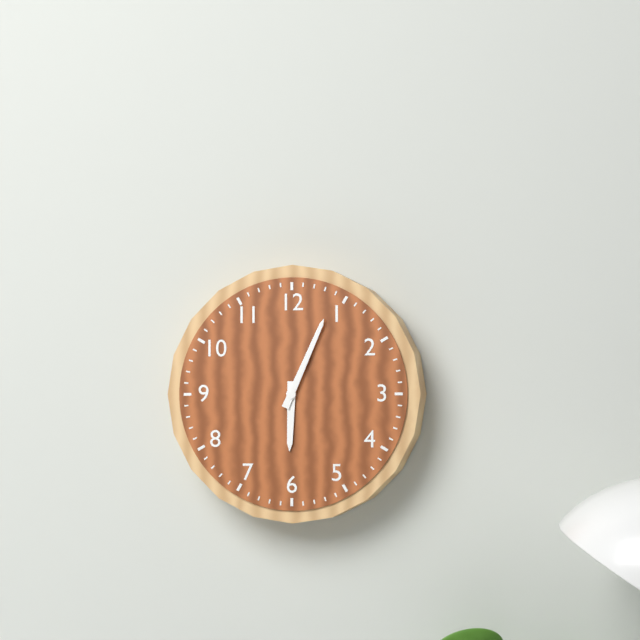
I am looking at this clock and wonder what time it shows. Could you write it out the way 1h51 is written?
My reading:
6h04
